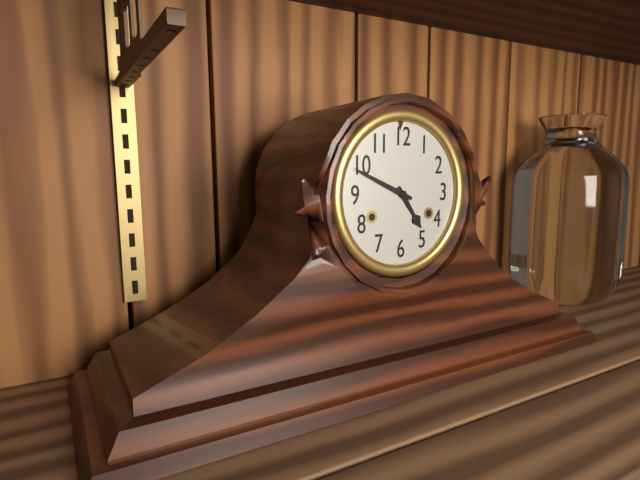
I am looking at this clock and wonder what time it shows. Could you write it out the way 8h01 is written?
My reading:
4h49
